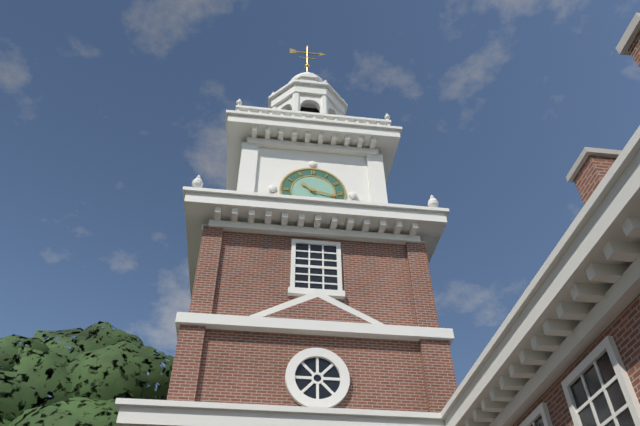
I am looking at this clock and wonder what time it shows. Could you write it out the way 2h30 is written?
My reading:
10h17
